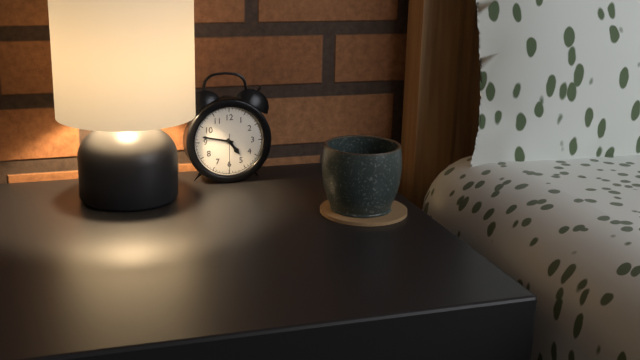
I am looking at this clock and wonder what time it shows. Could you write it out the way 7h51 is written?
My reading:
4h47
